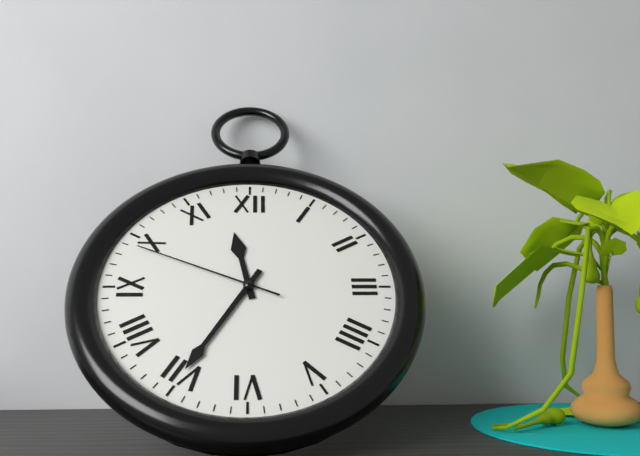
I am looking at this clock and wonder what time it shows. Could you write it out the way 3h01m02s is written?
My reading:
11h35m49s
